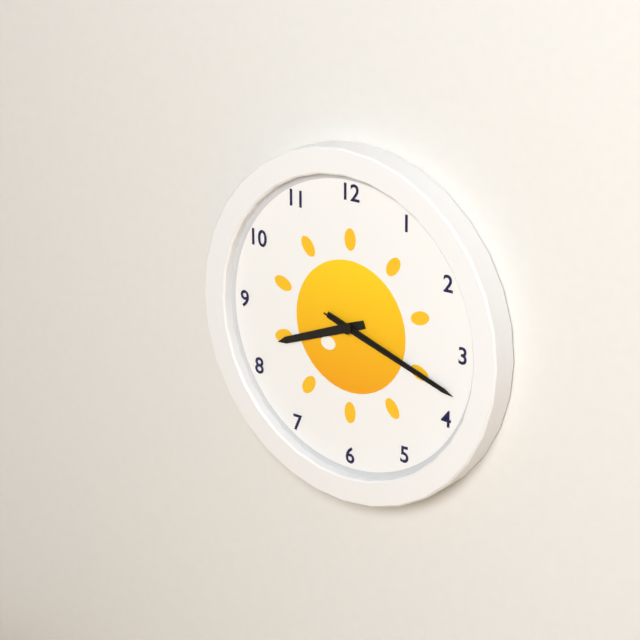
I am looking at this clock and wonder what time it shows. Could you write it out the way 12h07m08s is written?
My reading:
8h18m18s
